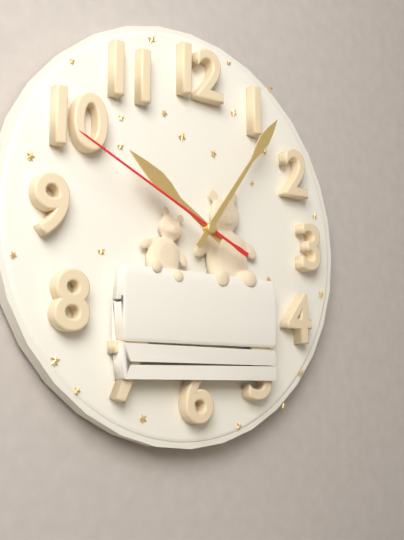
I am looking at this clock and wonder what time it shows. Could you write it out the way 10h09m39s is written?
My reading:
10h06m49s
